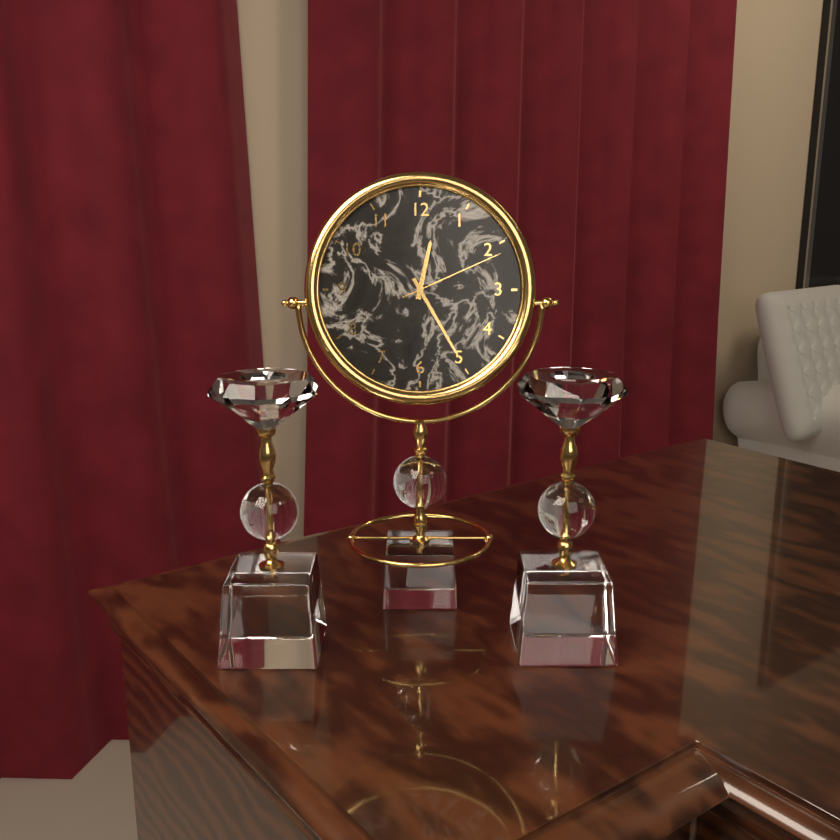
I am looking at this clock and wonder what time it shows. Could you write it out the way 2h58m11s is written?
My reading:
12h25m11s
